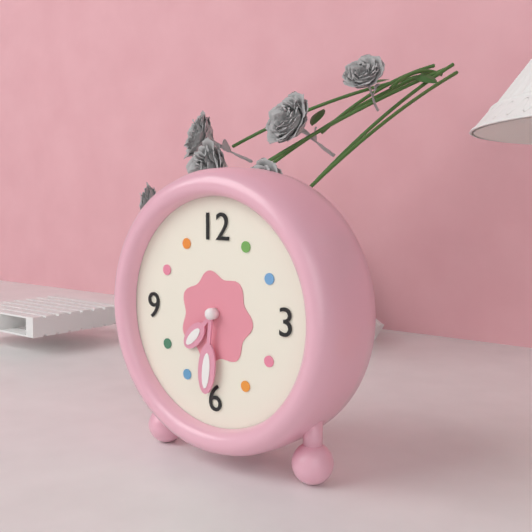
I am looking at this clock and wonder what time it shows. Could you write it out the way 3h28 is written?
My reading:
7h31
